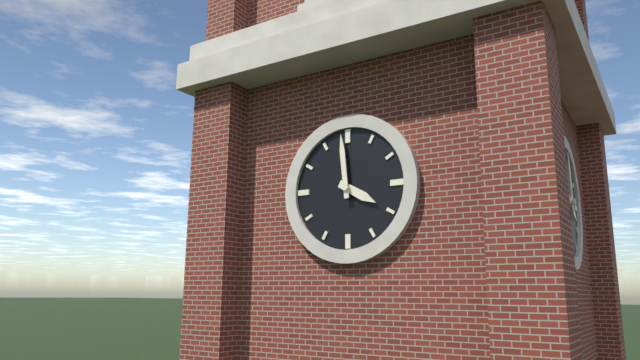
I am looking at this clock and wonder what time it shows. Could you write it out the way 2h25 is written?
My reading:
3h59
